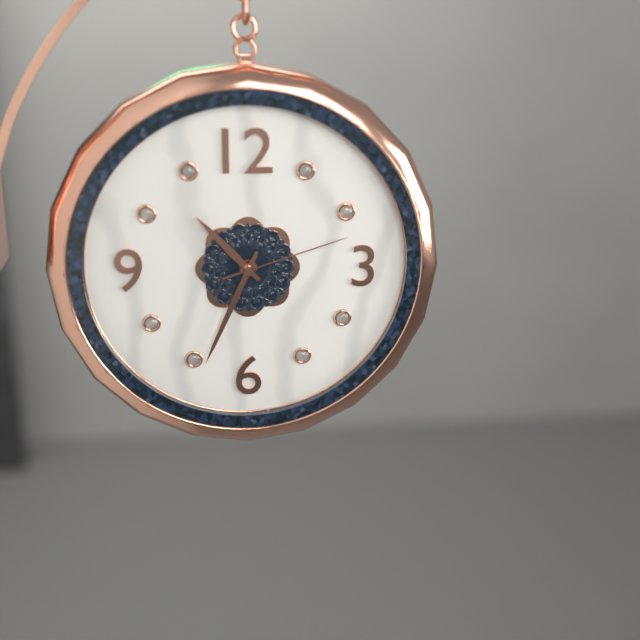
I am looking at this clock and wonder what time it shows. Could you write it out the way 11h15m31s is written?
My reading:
10h34m12s
